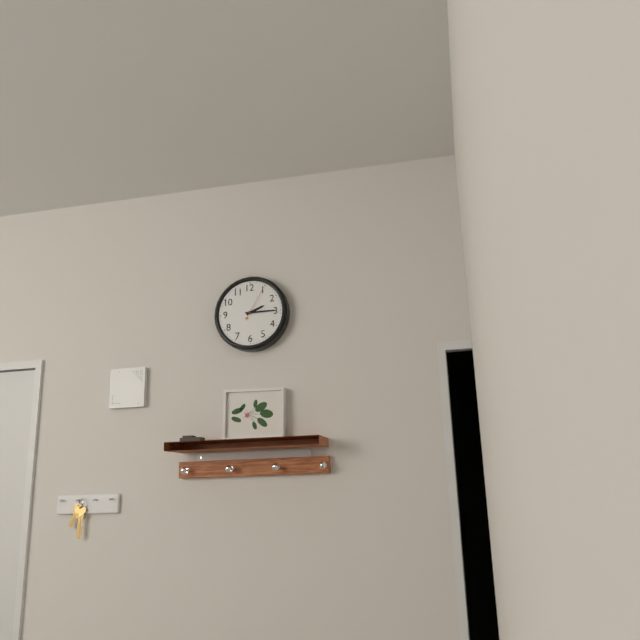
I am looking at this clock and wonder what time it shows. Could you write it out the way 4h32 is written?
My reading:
2h15
